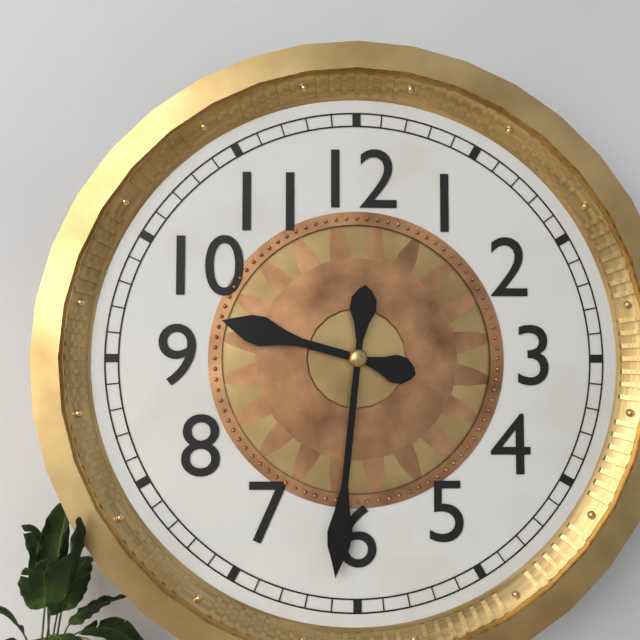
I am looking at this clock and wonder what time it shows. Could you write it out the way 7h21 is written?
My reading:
9h31
